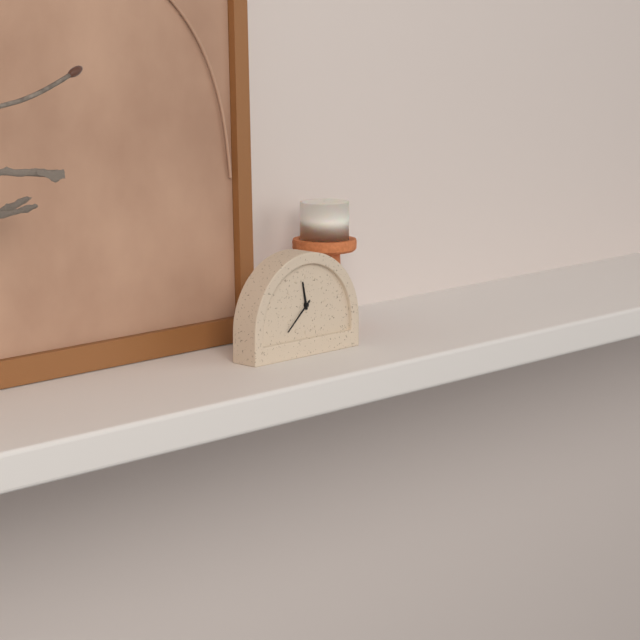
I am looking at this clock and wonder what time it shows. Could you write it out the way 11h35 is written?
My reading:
11h38
